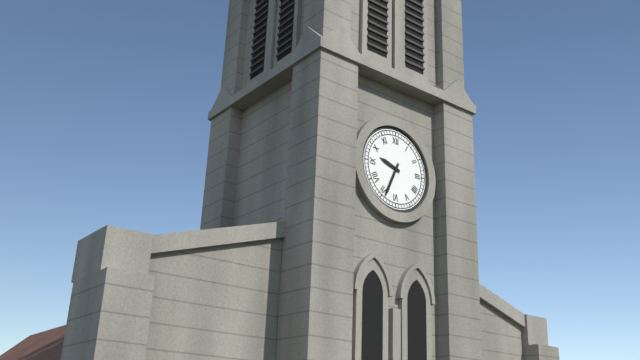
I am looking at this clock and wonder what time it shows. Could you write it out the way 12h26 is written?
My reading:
9h34
